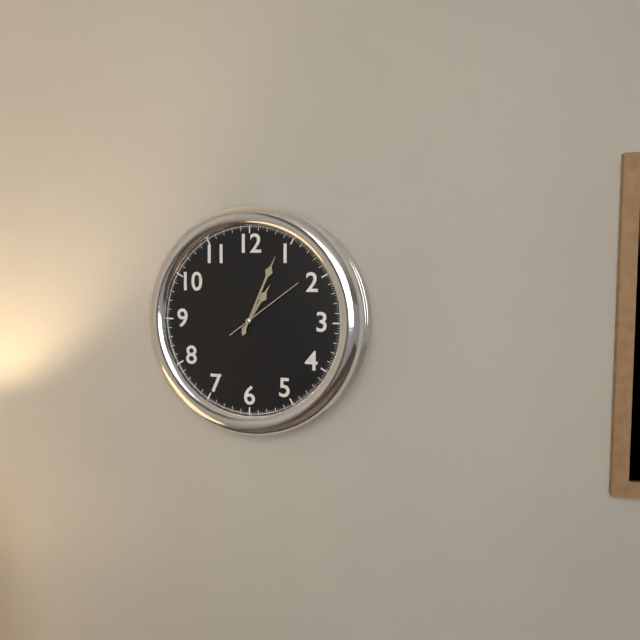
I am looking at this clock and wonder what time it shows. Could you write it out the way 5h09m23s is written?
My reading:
1h04m09s
